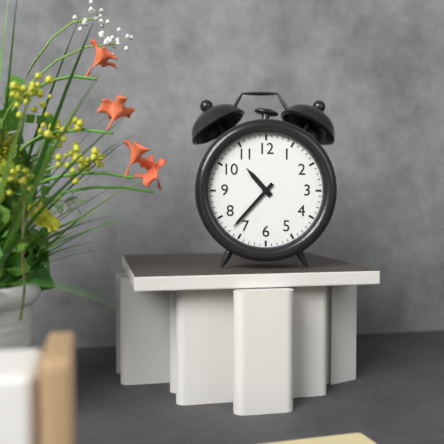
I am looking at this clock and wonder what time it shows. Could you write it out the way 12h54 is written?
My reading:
10h37
